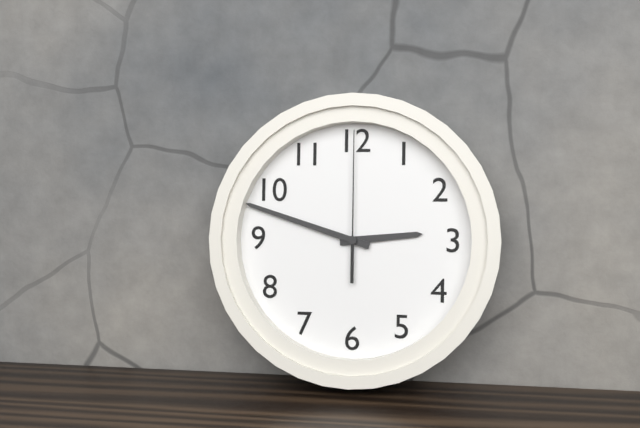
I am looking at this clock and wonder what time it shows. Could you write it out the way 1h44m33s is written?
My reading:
2h48m00s
